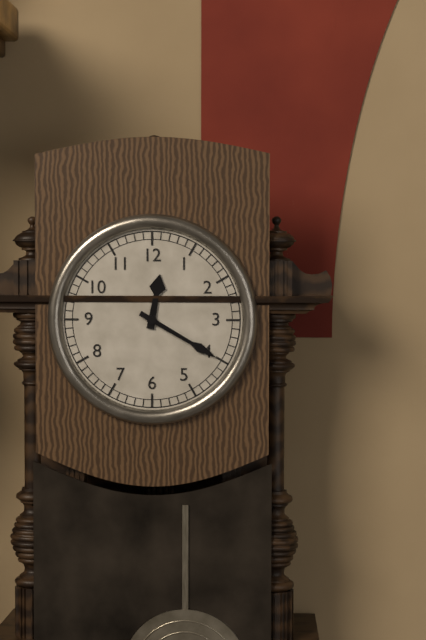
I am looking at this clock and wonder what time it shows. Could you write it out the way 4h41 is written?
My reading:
12h20
